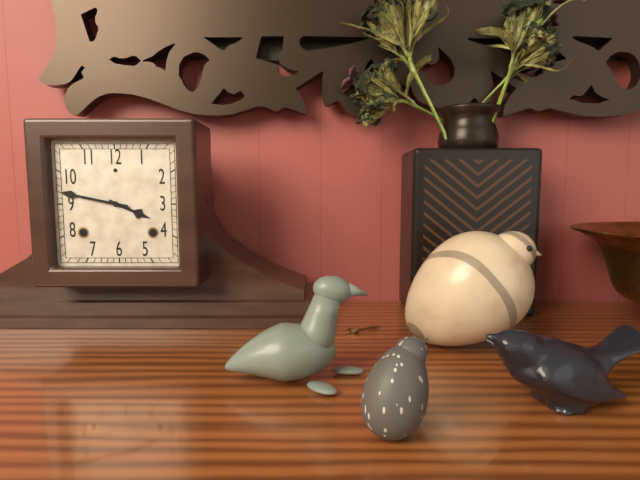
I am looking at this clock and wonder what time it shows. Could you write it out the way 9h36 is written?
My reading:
3h47
